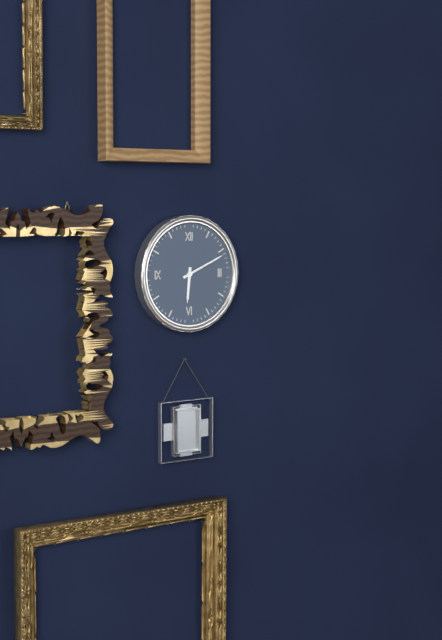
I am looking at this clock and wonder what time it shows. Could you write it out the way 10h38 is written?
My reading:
6h11
